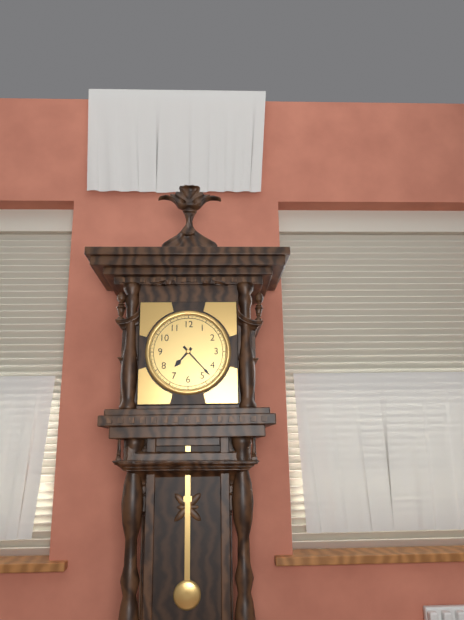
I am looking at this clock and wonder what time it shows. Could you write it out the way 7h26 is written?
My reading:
7h23
